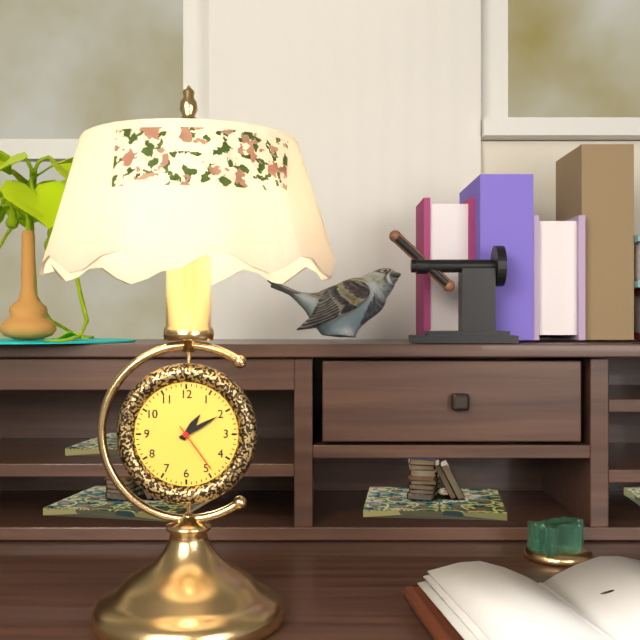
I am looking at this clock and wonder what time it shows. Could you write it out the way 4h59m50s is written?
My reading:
1h10m24s
